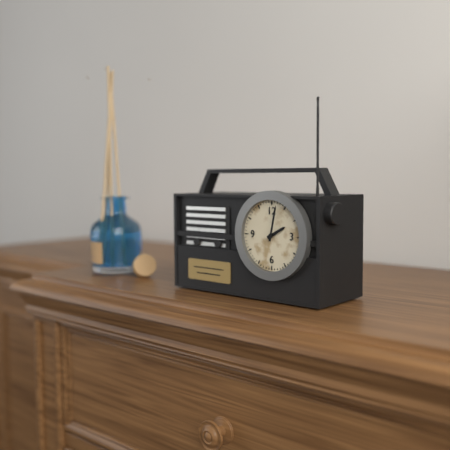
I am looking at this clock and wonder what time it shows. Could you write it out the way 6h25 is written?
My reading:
2h02
